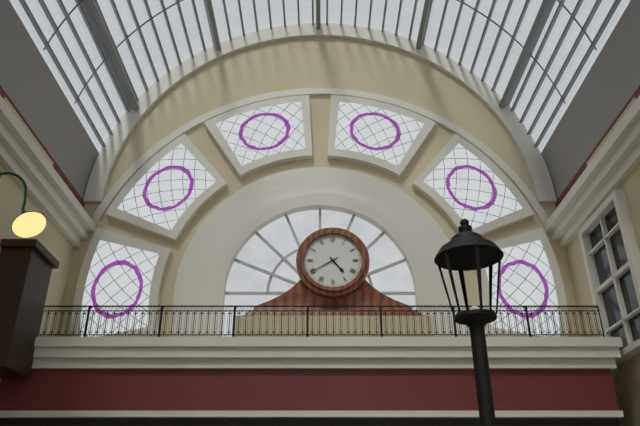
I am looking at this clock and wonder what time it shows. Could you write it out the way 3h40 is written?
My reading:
4h40
